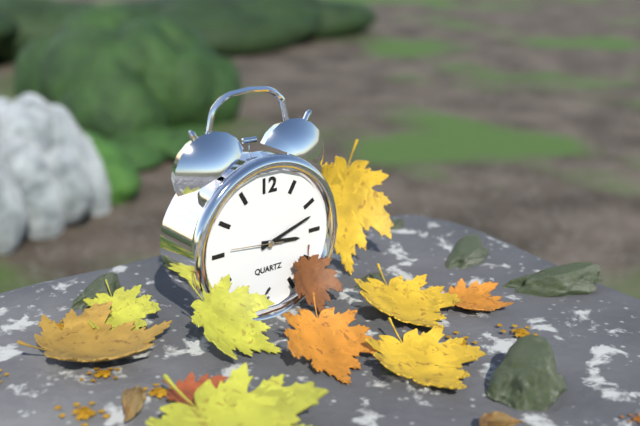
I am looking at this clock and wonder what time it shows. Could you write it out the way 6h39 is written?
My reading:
3h12
